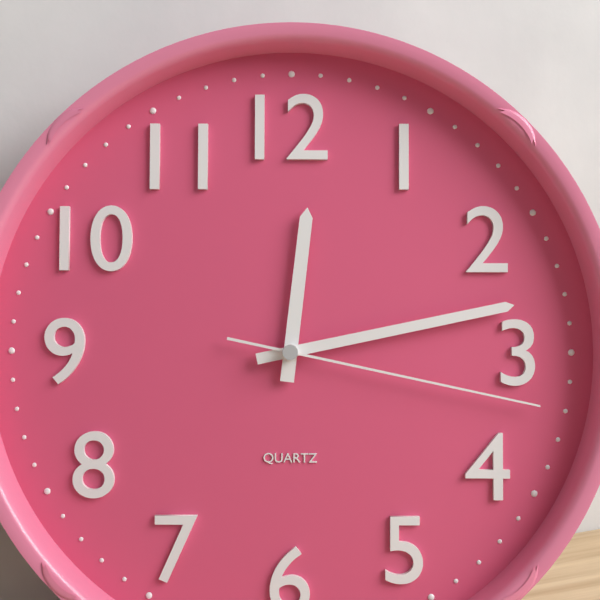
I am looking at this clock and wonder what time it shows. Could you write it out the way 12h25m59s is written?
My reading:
12h13m17s
